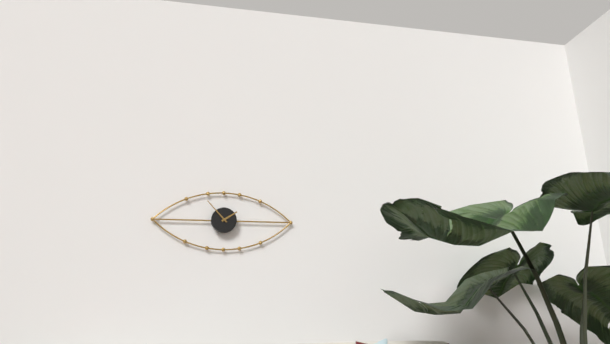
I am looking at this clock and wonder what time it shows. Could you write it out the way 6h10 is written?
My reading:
1h53
